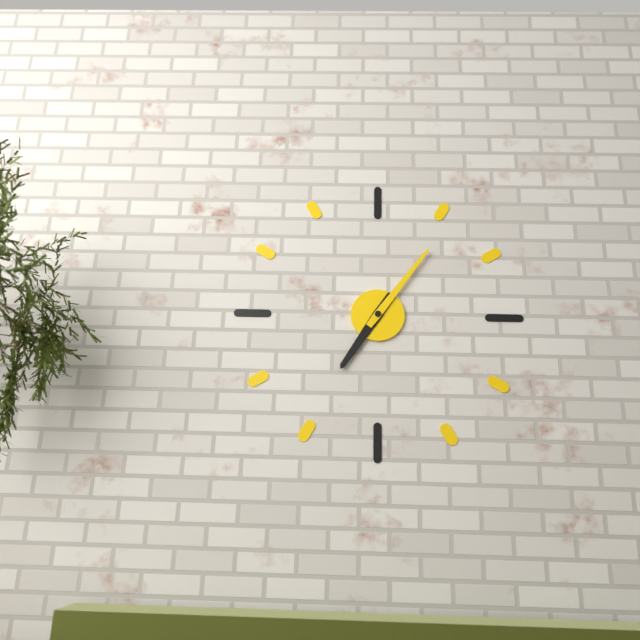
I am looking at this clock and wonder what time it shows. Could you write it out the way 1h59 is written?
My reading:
7h06
